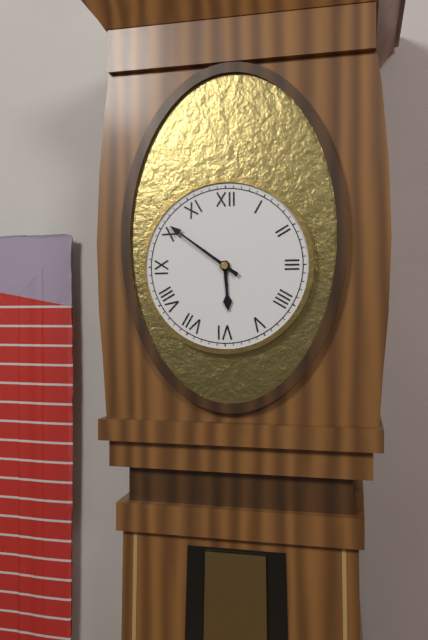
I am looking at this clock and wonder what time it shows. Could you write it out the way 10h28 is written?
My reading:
5h51
